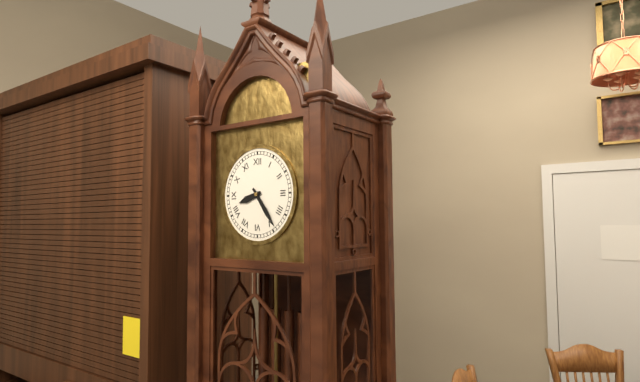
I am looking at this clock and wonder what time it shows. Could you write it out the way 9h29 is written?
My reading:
8h24
